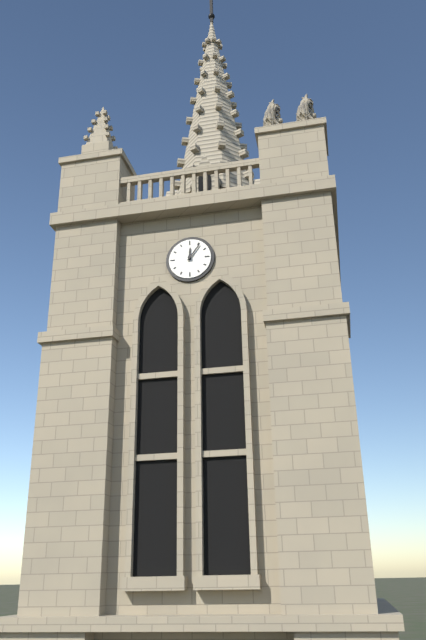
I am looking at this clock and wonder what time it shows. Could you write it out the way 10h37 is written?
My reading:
12h06
